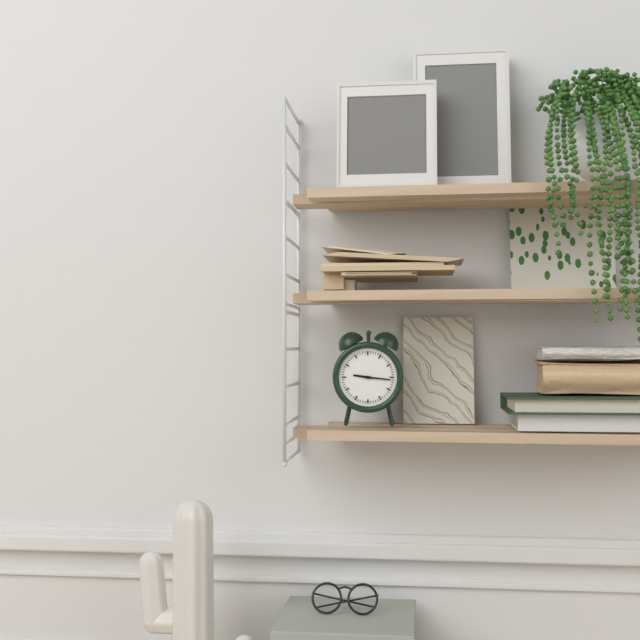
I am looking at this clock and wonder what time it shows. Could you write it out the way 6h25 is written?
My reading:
9h16
